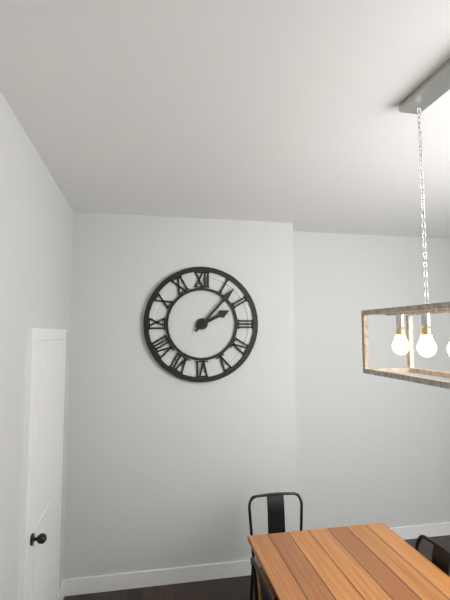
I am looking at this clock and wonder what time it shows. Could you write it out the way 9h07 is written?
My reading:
2h07
